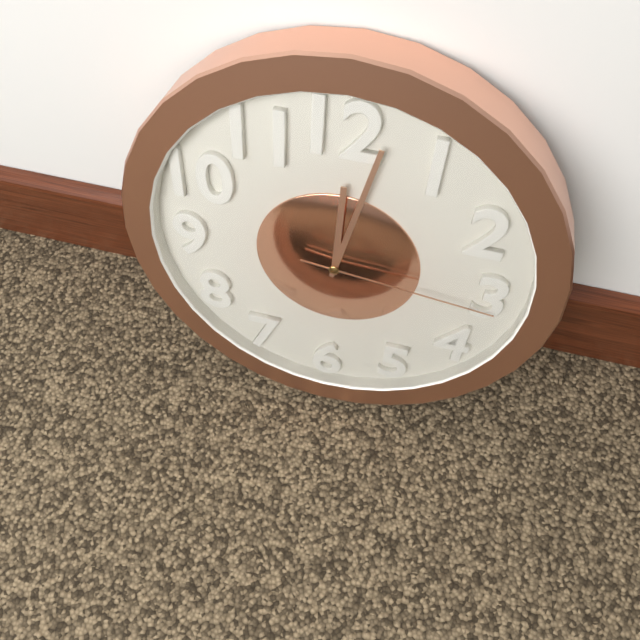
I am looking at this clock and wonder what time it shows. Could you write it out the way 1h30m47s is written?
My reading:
12h02m16s
